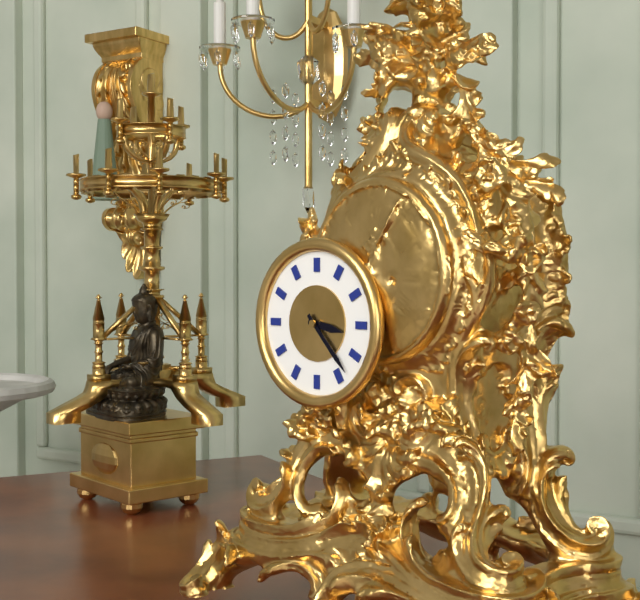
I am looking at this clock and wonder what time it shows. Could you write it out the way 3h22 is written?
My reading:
3h23
